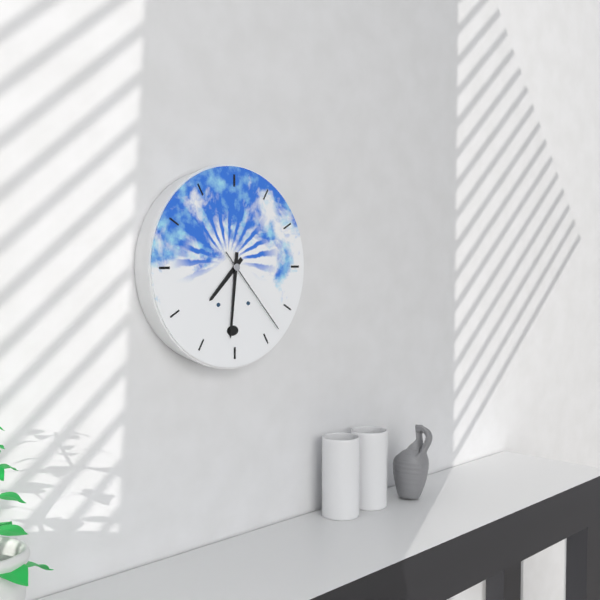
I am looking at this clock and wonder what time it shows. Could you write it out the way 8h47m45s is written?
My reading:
7h31m23s
